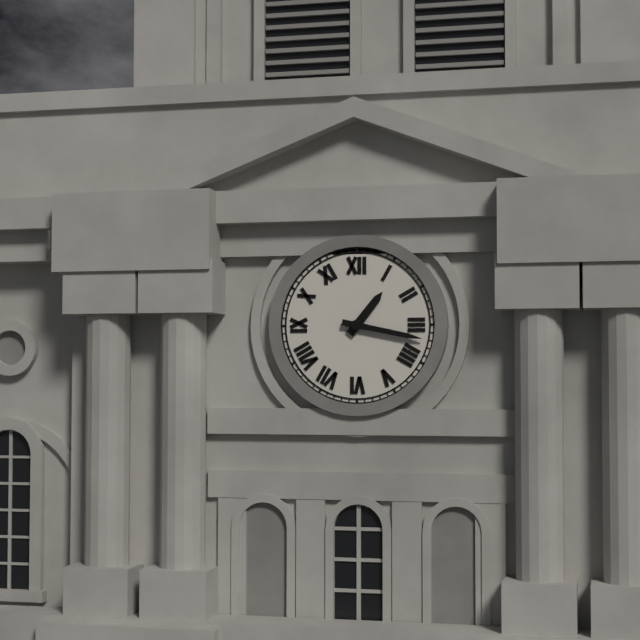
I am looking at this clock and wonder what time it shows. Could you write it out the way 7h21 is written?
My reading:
1h17
